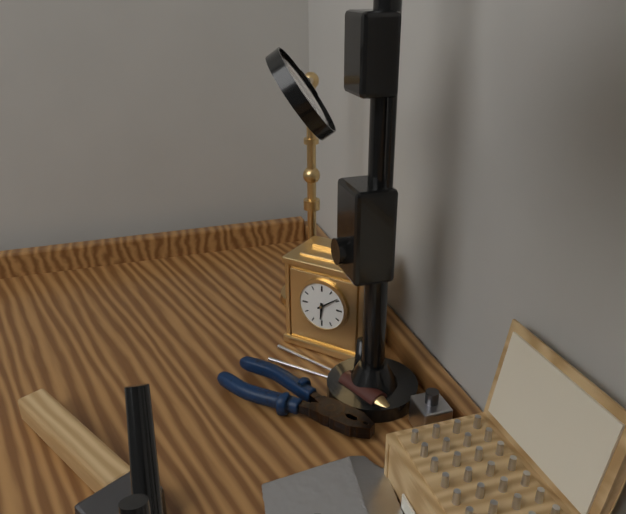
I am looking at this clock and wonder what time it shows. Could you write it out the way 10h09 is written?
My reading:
6h09
